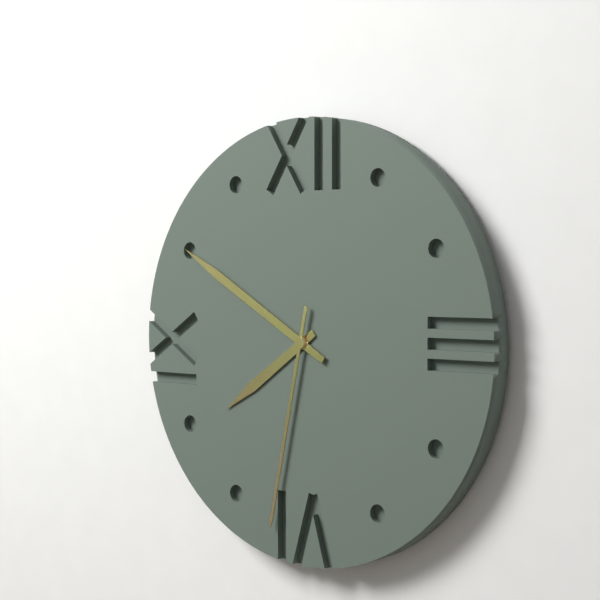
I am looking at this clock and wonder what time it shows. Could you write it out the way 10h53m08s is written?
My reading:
7h50m32s
